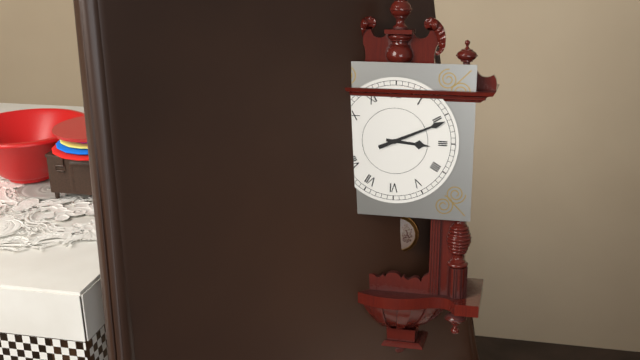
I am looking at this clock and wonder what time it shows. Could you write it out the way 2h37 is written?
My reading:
3h11
